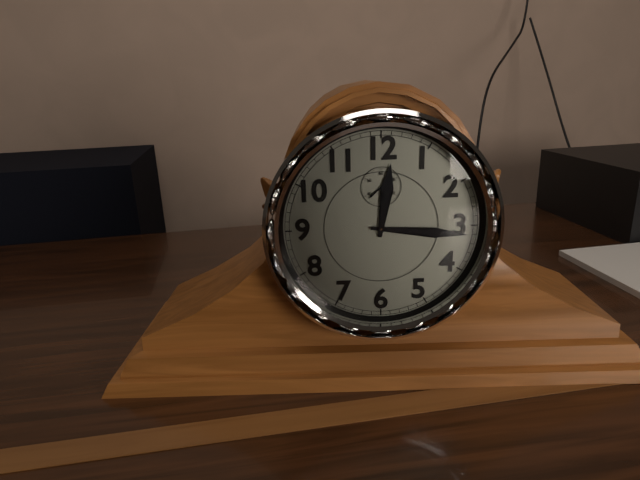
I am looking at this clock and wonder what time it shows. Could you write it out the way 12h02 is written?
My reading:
12h16
